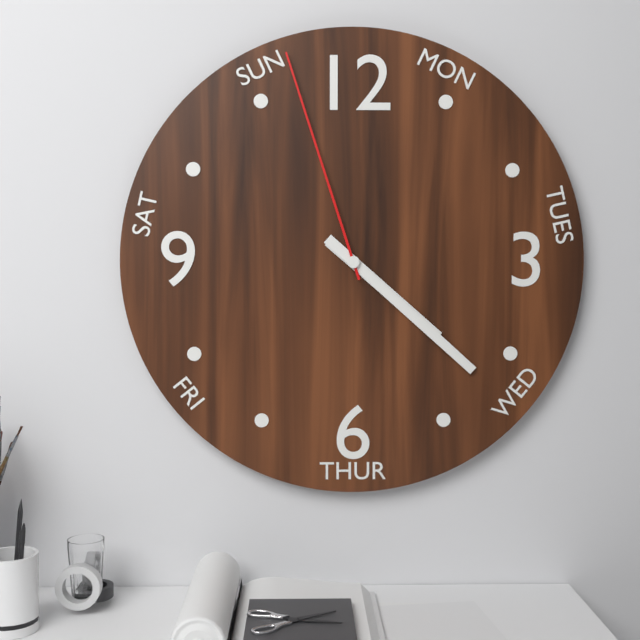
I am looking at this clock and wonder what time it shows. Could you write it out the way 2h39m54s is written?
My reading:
4h22m57s
